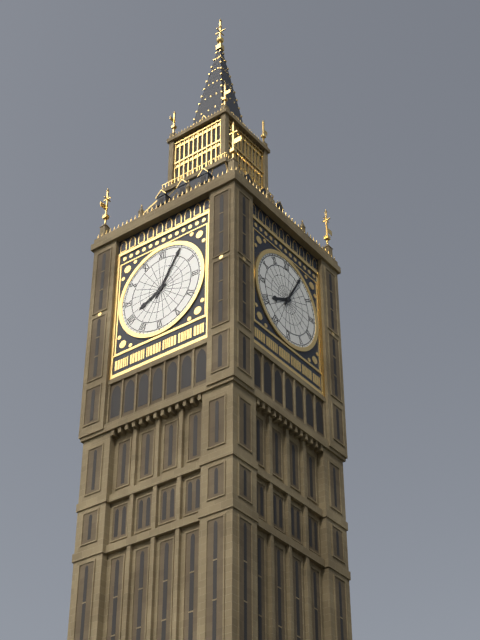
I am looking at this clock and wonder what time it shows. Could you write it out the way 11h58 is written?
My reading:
8h05
